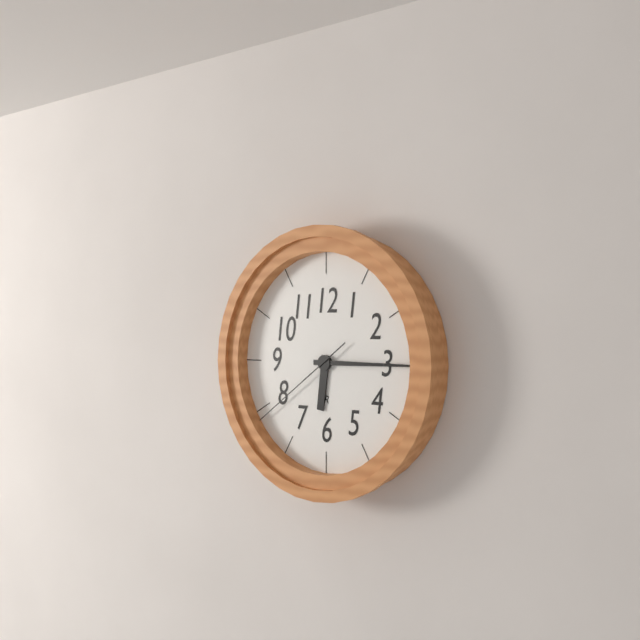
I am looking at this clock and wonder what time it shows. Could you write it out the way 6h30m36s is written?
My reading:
6h15m39s
